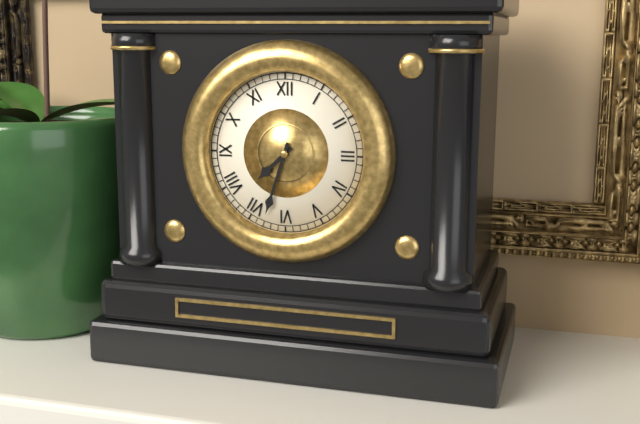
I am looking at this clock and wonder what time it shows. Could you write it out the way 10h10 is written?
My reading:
7h33
